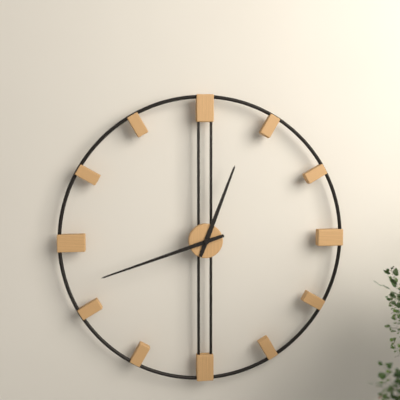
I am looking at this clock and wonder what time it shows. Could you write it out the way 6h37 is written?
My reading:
12h42
